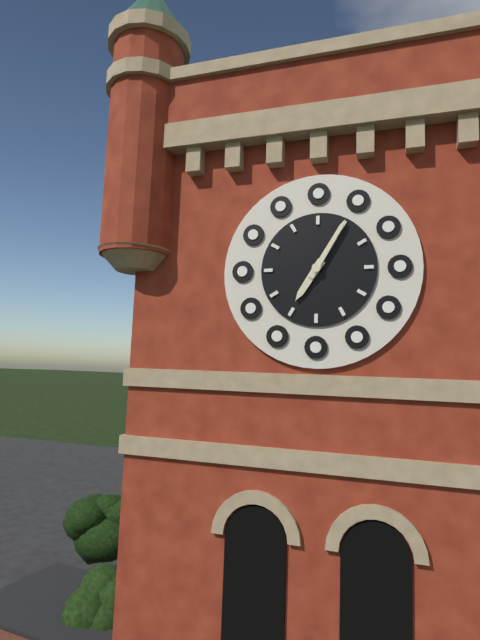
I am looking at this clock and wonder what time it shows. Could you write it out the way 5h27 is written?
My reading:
7h05
